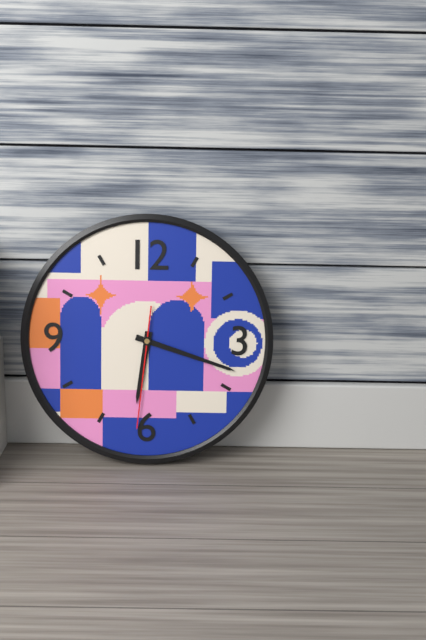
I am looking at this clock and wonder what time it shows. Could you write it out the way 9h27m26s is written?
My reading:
6h18m31s
